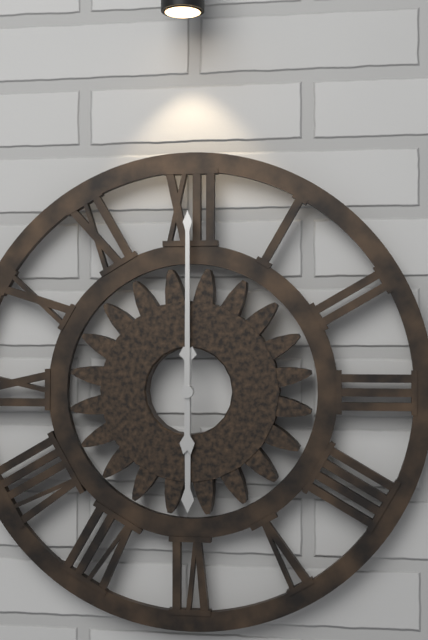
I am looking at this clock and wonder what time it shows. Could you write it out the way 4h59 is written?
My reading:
6h00
